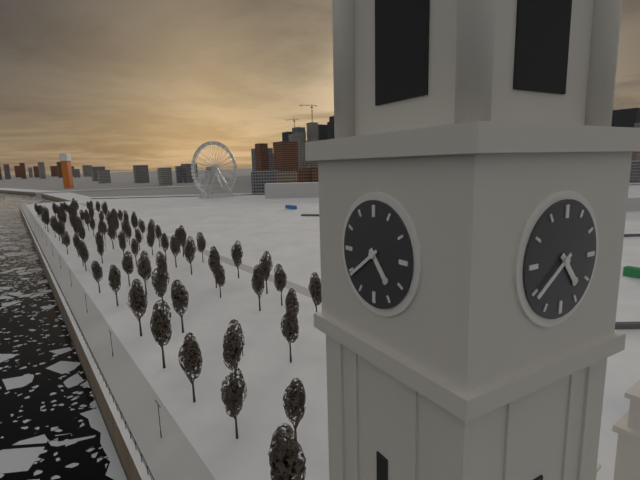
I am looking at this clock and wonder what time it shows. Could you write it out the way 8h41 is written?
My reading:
4h39
